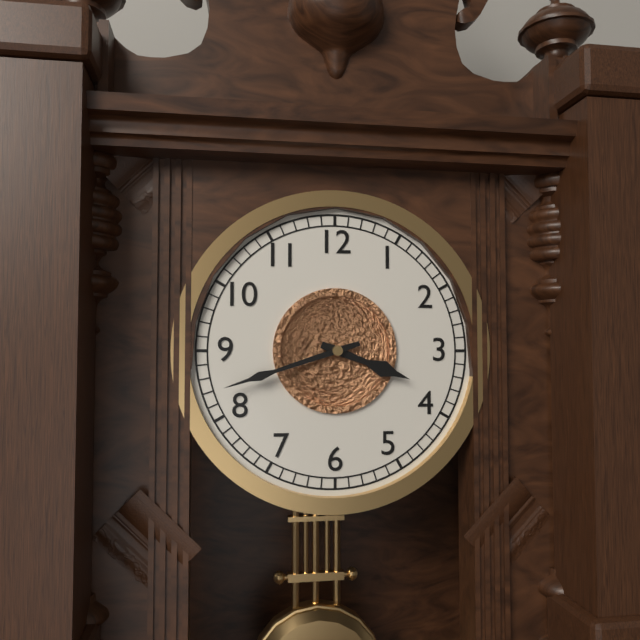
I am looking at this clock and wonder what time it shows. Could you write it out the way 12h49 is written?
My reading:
3h42
